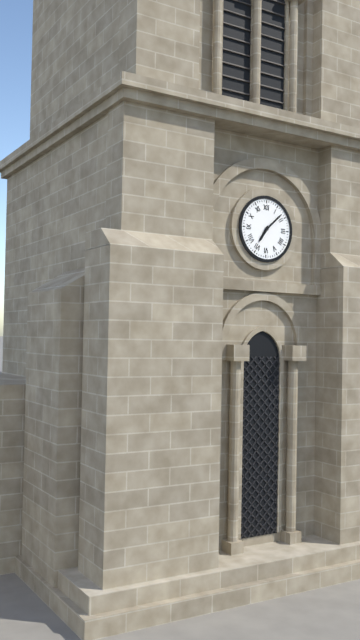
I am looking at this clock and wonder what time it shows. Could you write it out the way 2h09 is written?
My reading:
7h08
